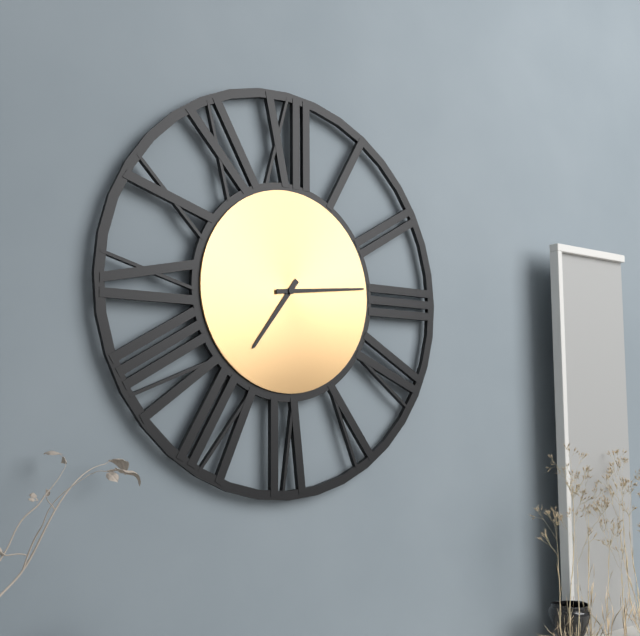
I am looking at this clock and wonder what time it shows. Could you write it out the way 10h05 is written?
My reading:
7h14
